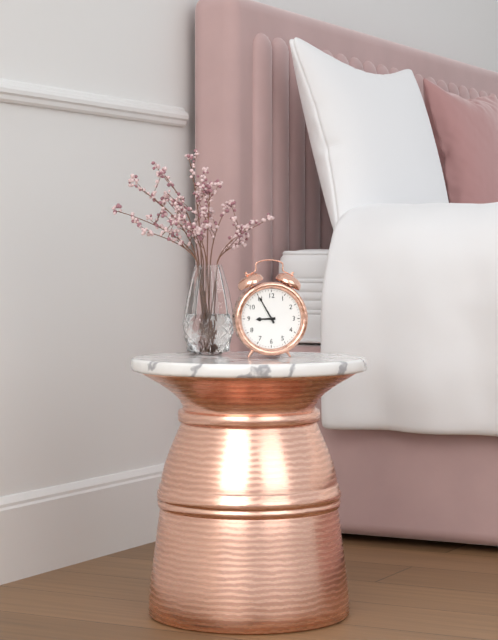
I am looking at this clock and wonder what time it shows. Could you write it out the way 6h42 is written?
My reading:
8h55
